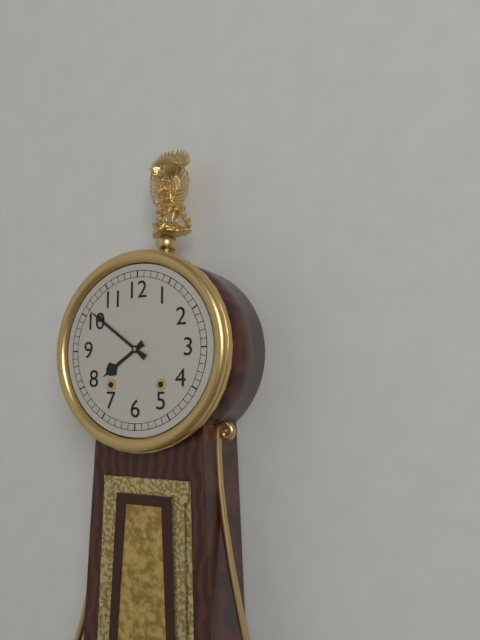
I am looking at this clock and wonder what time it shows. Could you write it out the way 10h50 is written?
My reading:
7h51
